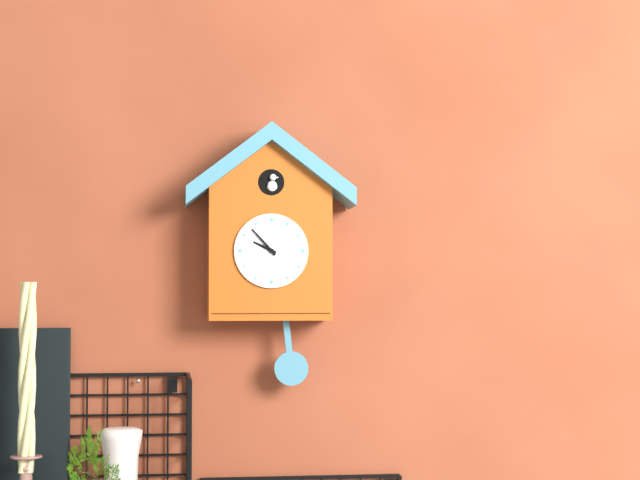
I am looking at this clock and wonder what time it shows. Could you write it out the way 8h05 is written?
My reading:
9h53
